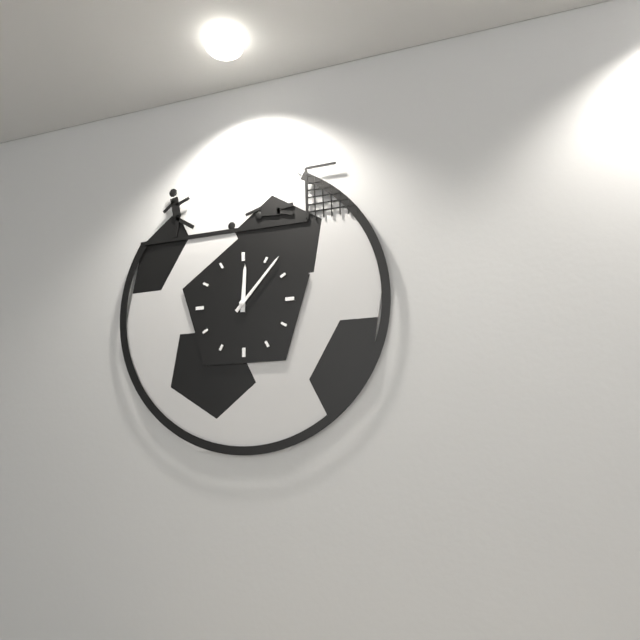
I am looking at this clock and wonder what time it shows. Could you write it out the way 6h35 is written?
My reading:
12h07
